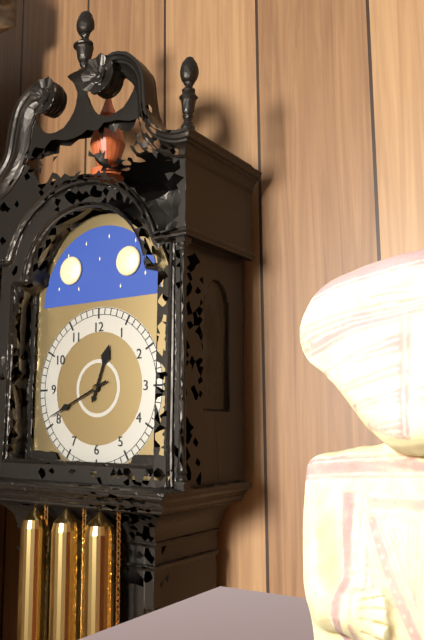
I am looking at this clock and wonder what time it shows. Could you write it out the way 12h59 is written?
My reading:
12h41
